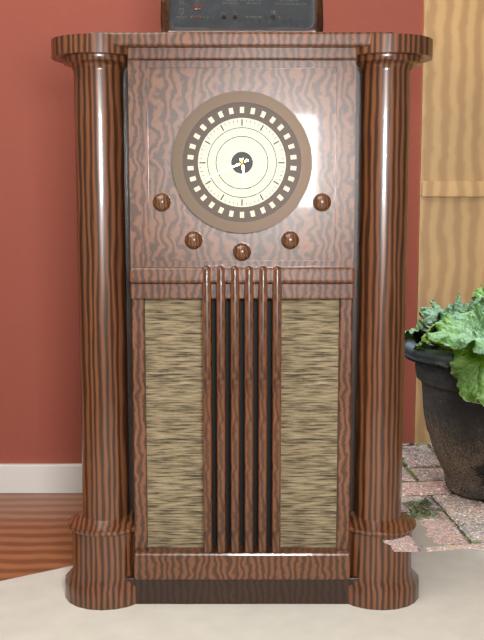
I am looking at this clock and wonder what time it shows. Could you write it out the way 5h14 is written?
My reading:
5h41
